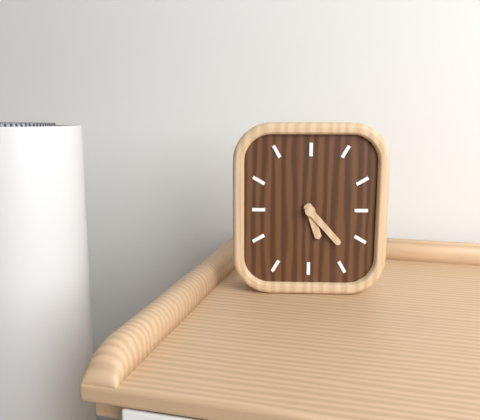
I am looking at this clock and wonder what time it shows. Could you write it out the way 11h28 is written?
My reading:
5h23
